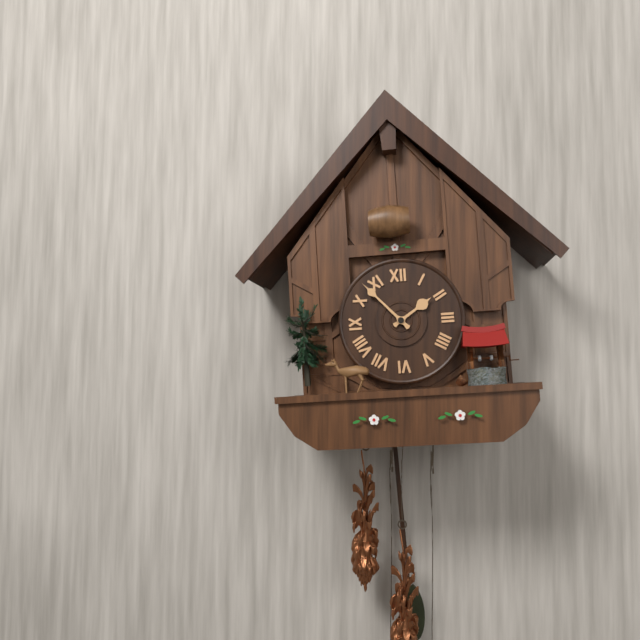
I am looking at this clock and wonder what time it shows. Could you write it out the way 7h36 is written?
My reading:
1h53
